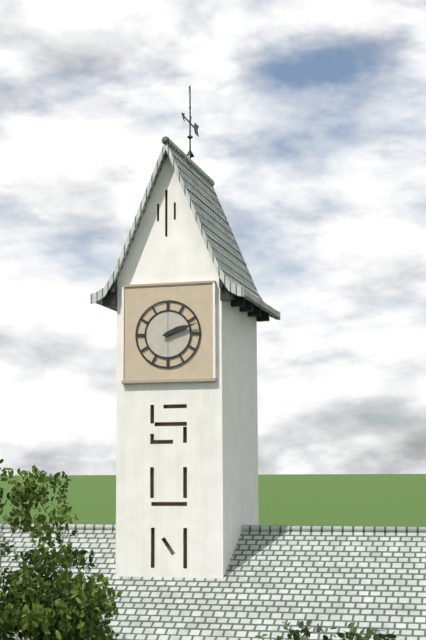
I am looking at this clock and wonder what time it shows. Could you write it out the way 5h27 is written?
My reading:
2h12
